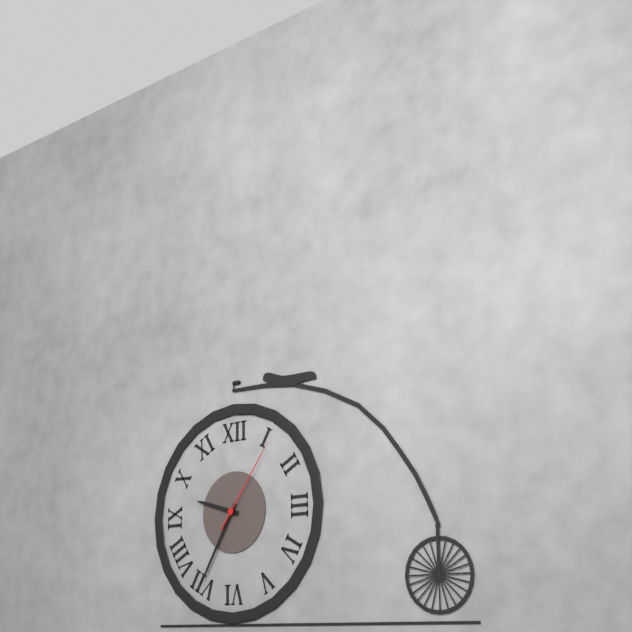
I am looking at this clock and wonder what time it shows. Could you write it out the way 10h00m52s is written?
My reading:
9h35m06s
